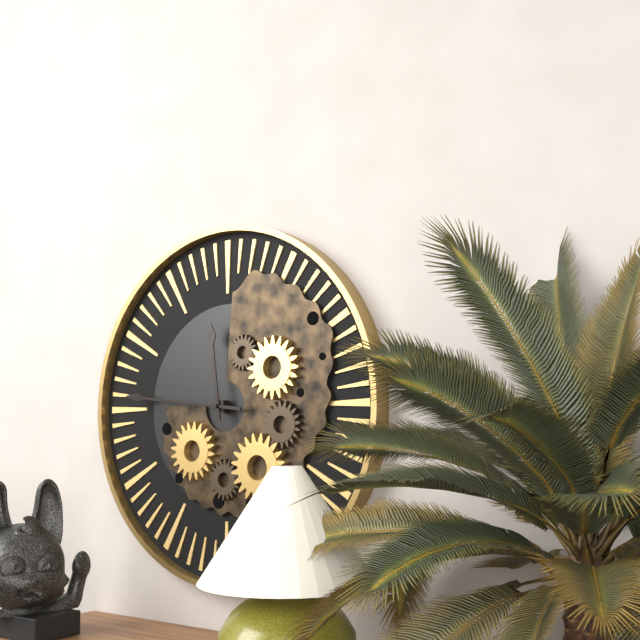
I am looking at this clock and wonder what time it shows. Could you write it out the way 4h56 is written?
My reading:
11h46
